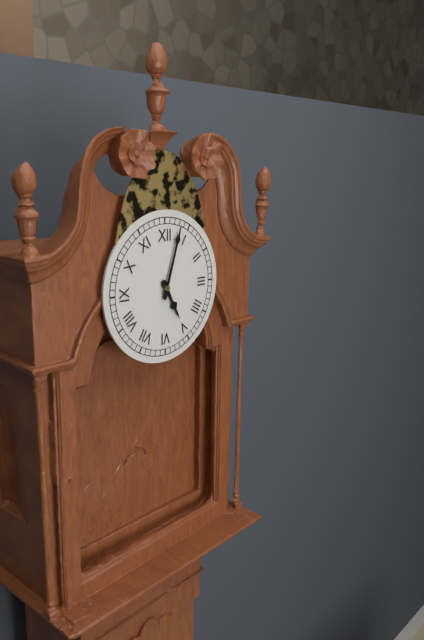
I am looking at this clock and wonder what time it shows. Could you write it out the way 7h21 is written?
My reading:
5h03
